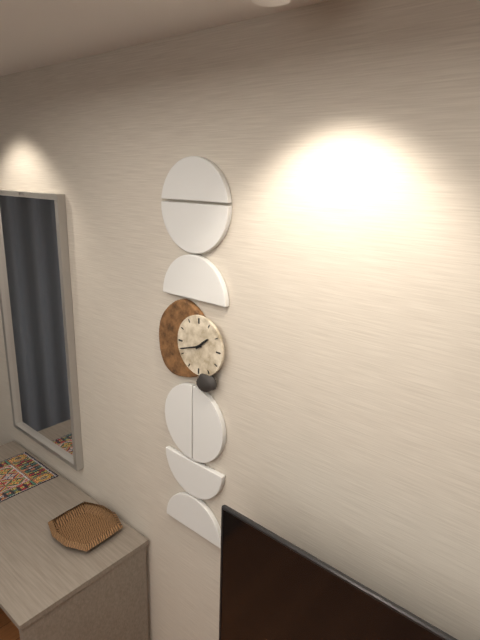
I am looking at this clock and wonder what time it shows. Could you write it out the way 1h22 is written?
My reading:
1h42
